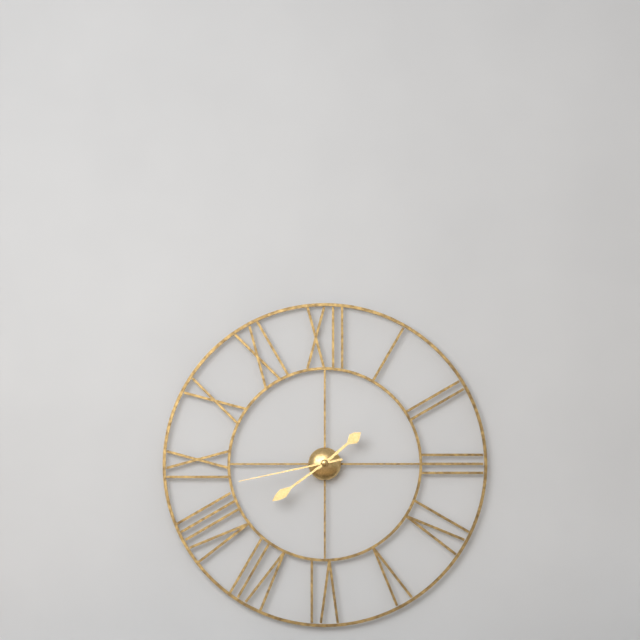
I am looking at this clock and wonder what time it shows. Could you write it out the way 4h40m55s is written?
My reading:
1h39m43s
